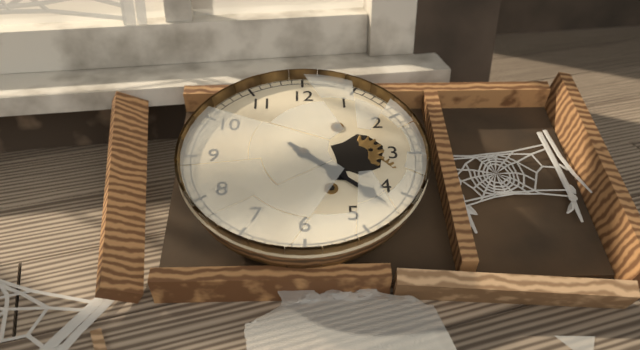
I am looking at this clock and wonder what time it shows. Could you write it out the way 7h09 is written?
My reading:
4h22
